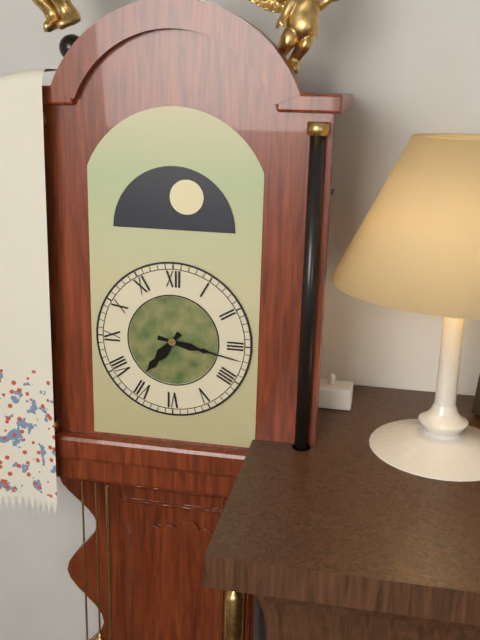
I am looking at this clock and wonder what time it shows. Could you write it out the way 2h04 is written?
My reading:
7h17
